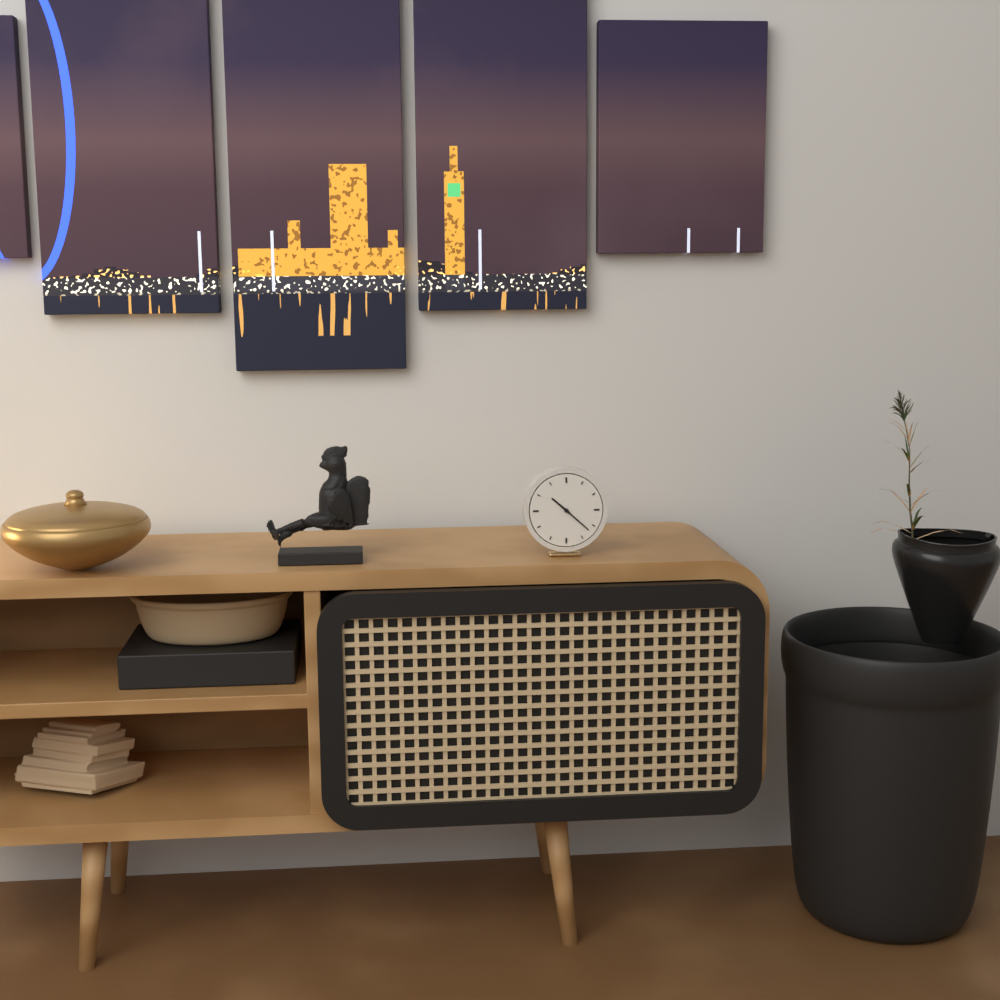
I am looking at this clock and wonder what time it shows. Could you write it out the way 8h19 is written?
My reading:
10h22
